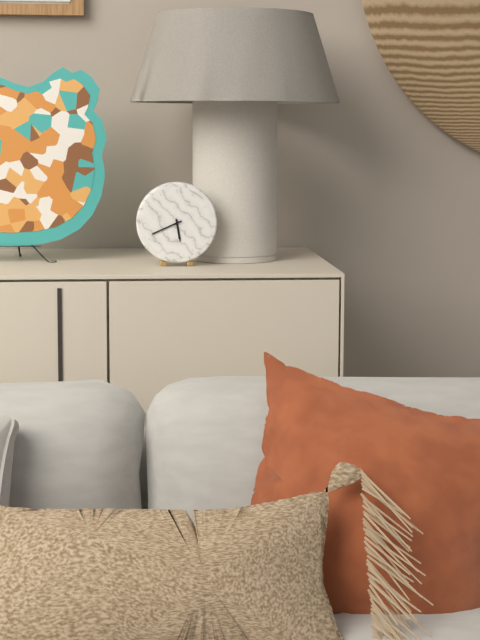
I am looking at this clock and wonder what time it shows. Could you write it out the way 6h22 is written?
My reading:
5h41
